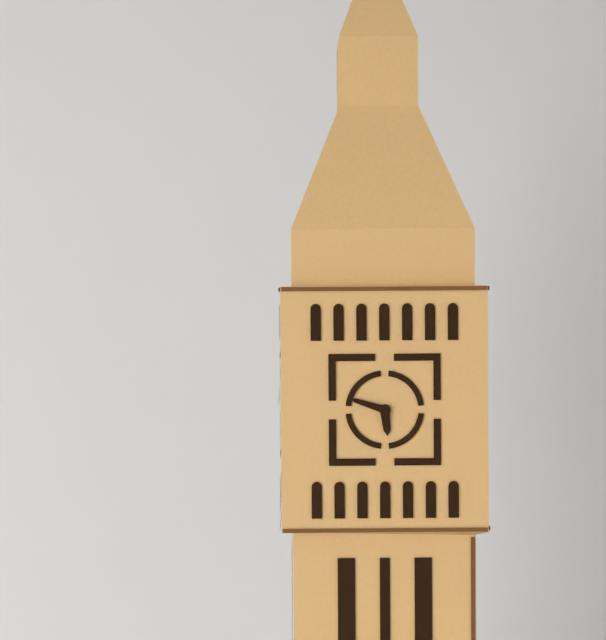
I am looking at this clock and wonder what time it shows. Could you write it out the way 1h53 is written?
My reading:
5h48
